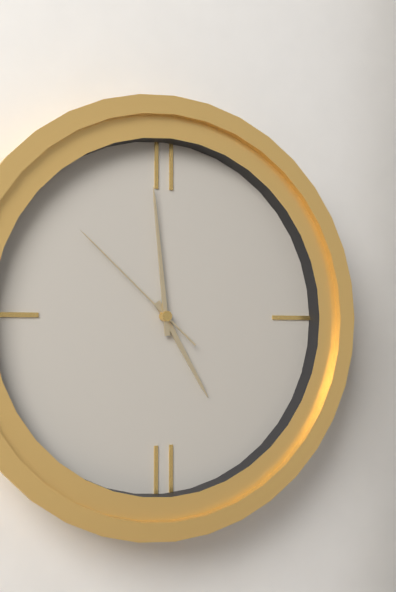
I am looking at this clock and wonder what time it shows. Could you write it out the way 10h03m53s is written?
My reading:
4h59m52s
